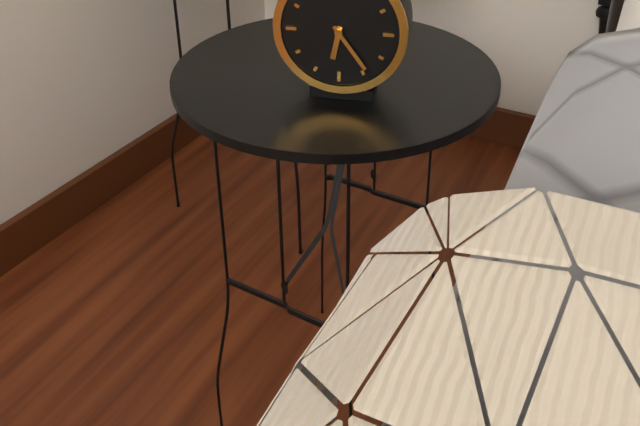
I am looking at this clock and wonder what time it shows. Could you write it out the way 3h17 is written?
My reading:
6h24
